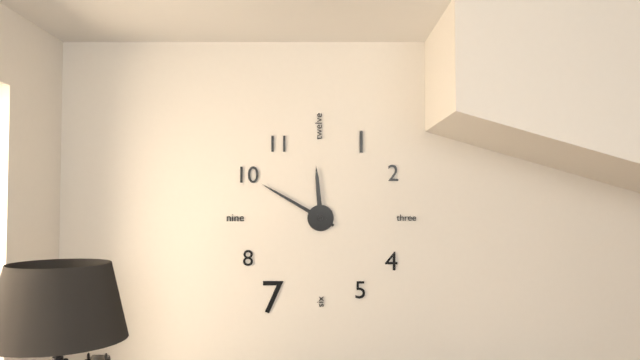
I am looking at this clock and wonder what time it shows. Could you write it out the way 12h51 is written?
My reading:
11h50
